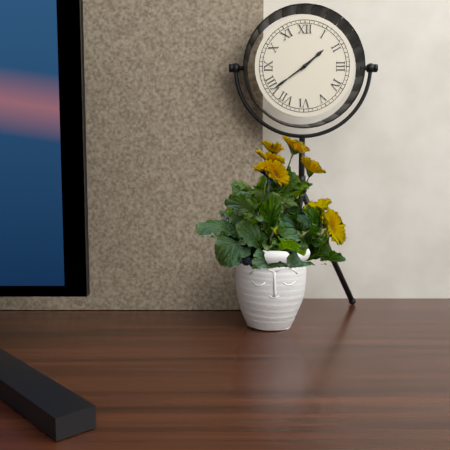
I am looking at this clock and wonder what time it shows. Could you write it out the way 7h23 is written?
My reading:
1h39
